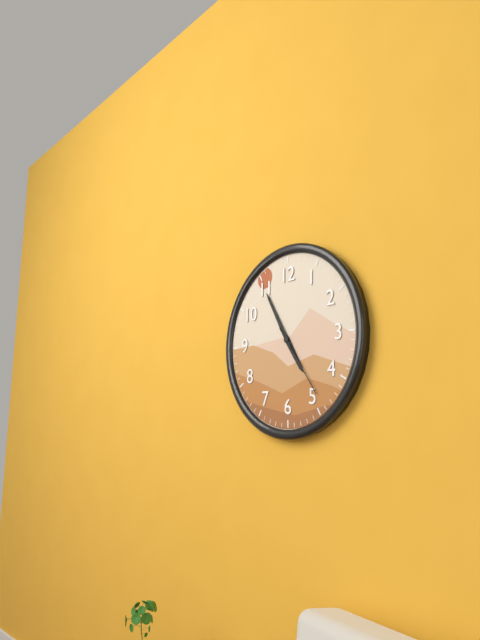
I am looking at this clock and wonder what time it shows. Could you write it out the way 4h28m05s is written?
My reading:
4h55m24s
